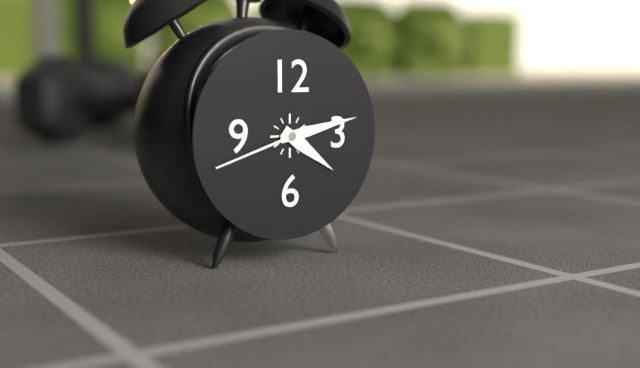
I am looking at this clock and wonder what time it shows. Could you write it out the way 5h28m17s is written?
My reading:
4h13m42s
